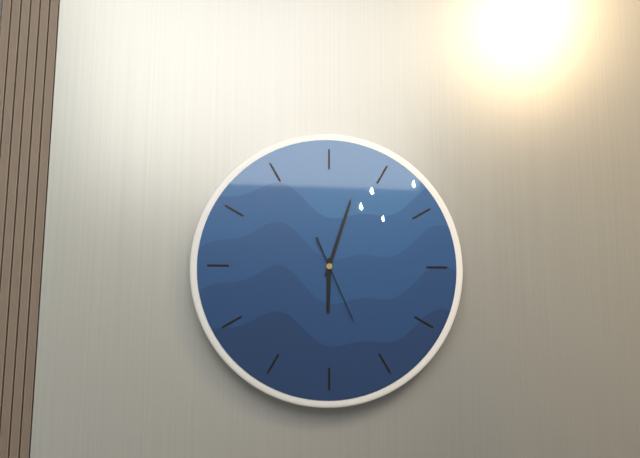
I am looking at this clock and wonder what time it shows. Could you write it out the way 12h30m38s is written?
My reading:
6h03m26s
